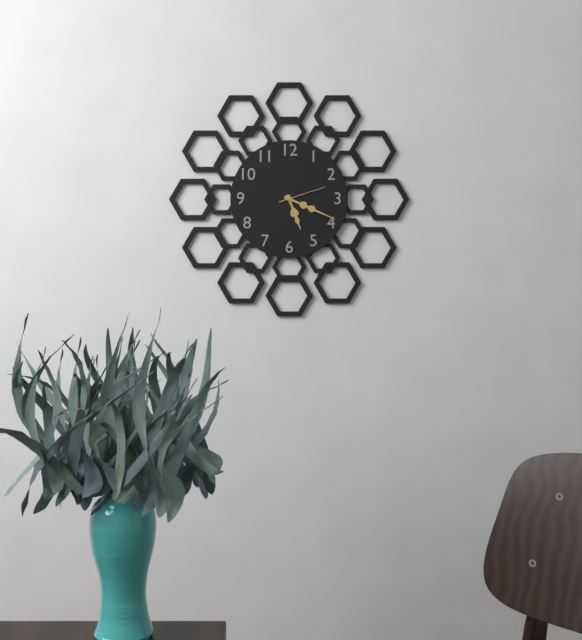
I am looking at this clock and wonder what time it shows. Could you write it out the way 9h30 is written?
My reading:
5h19
